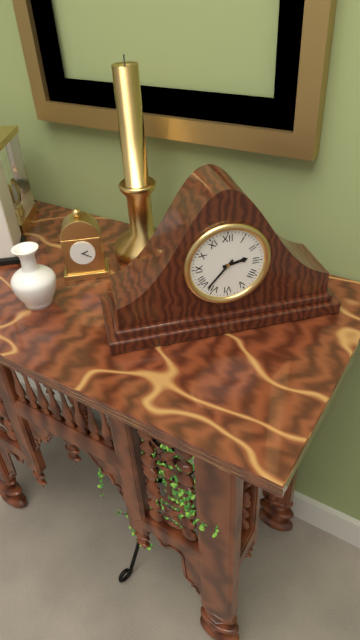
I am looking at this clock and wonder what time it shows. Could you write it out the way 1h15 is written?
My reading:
2h37
